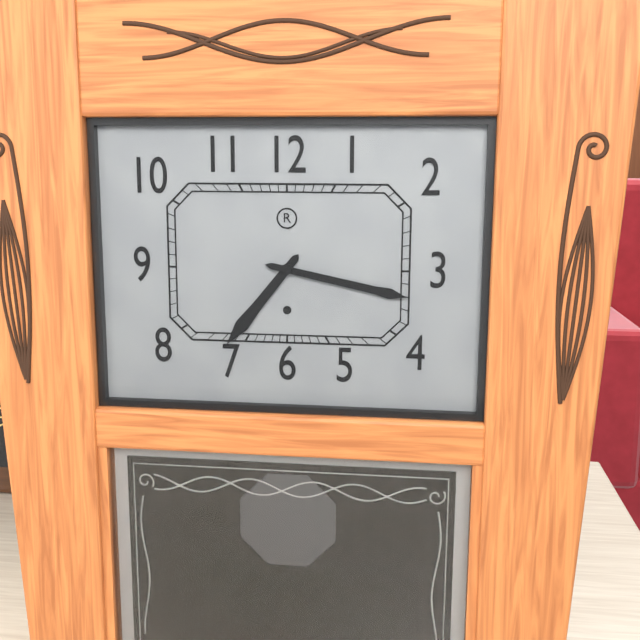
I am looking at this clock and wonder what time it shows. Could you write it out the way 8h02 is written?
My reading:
7h17
